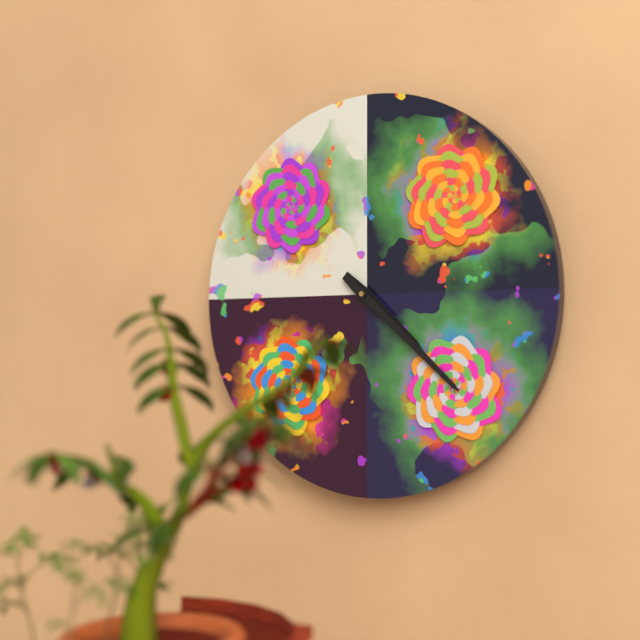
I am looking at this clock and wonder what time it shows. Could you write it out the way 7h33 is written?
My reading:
4h22
